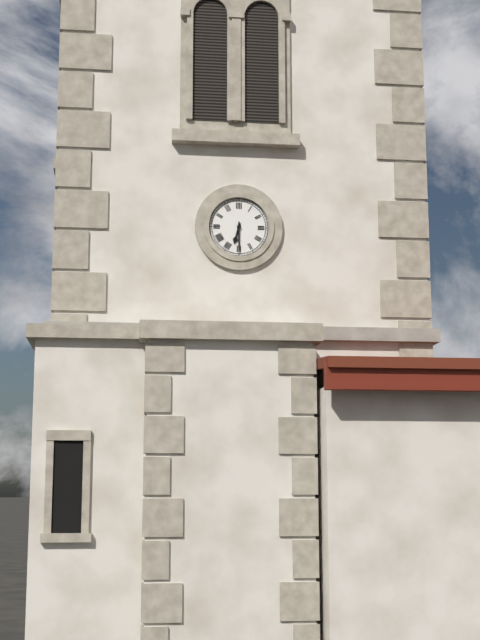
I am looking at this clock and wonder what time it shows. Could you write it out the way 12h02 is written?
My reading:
6h30
